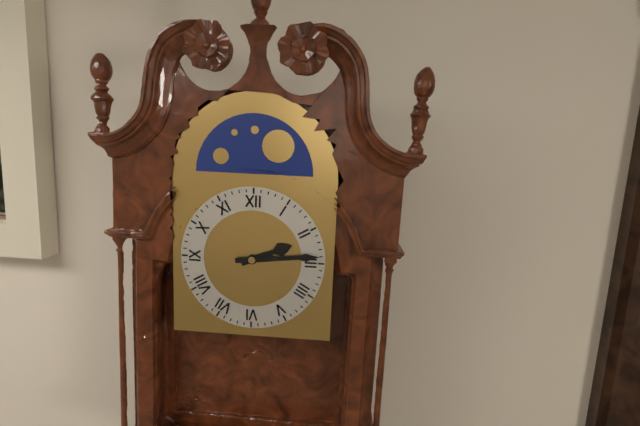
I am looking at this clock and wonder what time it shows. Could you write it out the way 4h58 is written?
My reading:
2h14
